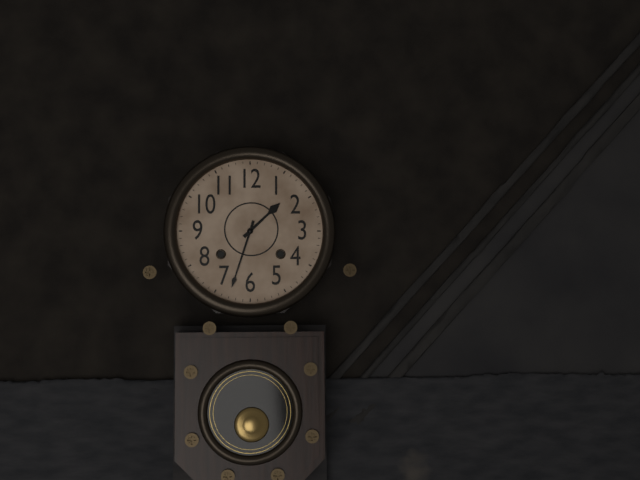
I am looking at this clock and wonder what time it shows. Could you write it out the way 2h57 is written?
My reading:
1h33
